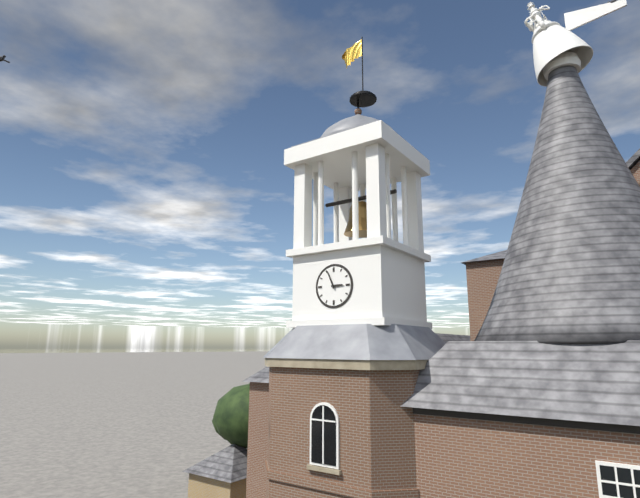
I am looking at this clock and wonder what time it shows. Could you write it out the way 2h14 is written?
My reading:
2h56
